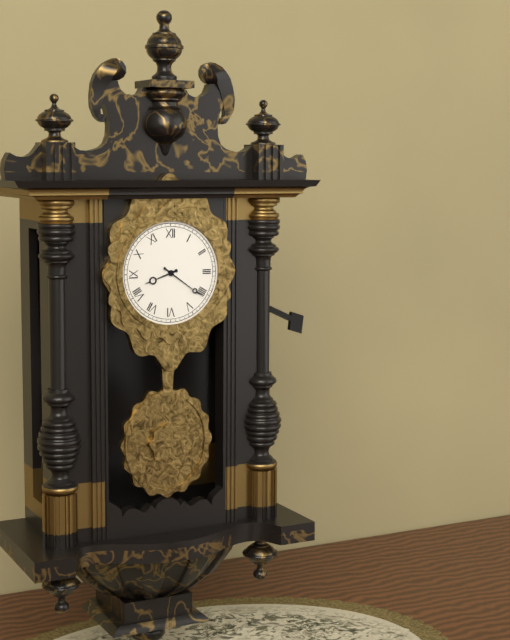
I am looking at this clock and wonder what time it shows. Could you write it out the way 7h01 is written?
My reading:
8h21
